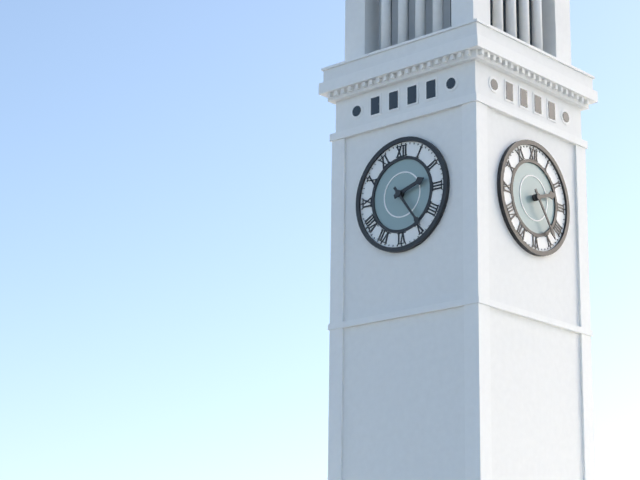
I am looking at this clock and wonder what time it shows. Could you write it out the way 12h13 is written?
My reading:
2h24
